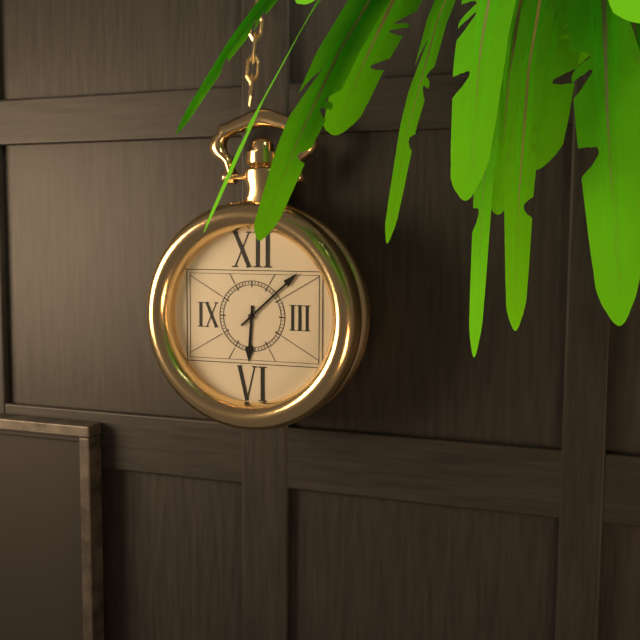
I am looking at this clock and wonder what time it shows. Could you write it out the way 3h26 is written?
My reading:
6h08
